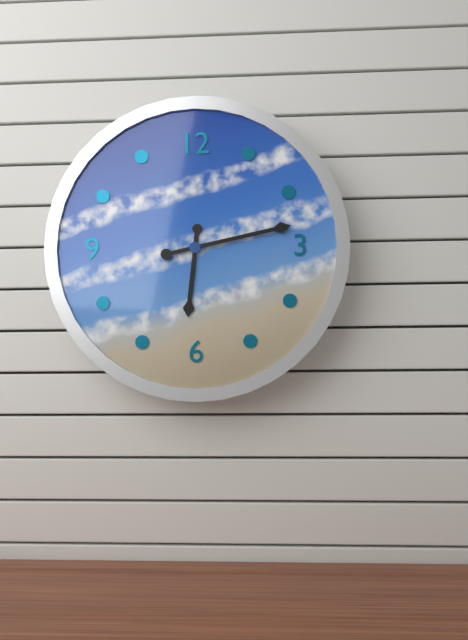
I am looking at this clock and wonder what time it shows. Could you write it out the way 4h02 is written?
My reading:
6h13
